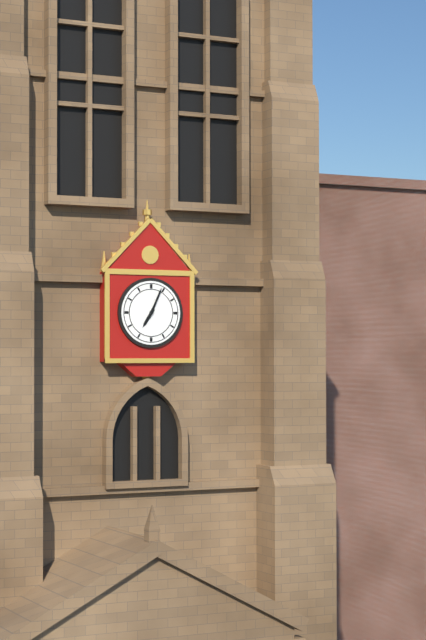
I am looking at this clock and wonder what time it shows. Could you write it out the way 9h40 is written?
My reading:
7h04
